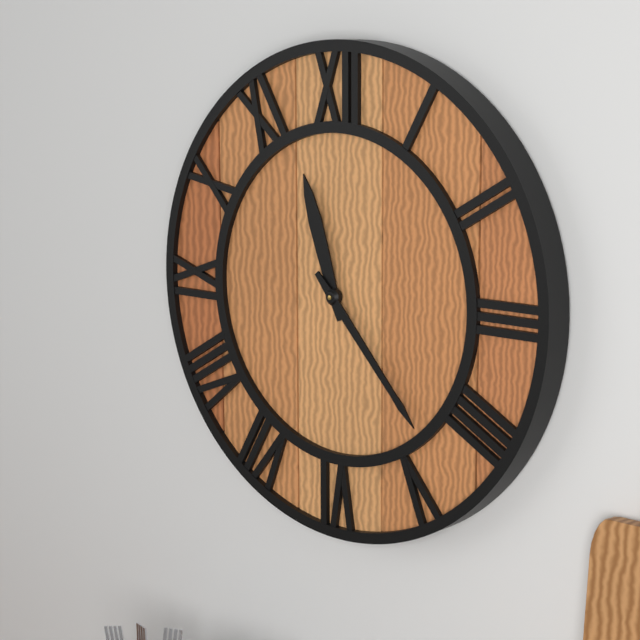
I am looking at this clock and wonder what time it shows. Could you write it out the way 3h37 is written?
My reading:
11h23
